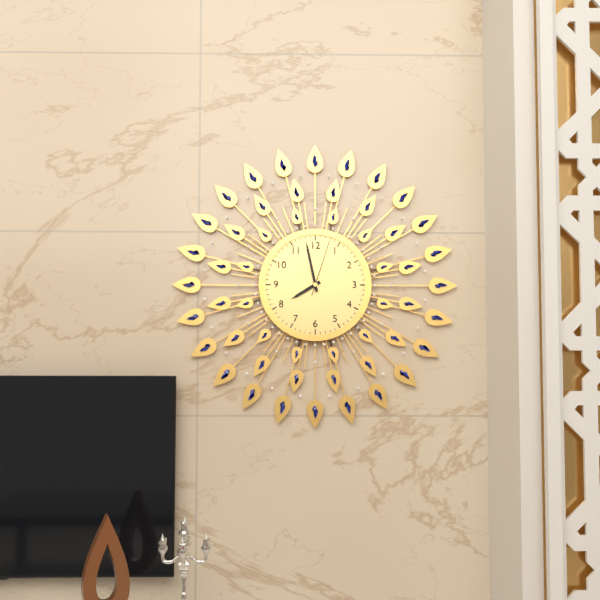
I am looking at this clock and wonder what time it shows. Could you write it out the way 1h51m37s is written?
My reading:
7h58m03s
